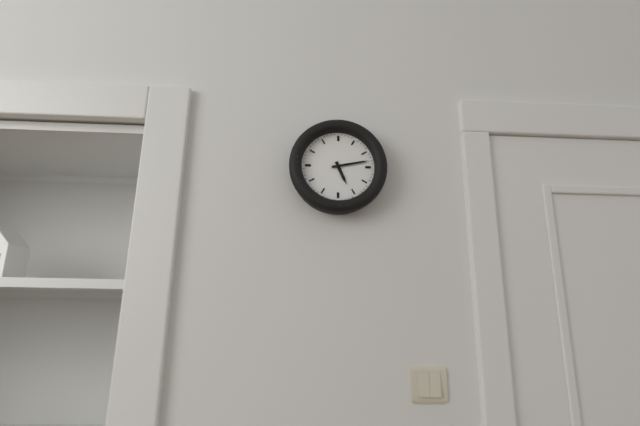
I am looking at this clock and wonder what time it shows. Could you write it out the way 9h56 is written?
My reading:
5h13
